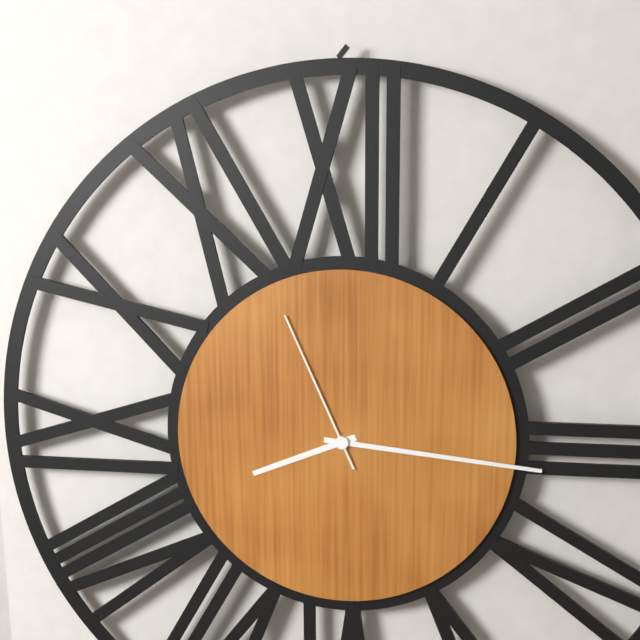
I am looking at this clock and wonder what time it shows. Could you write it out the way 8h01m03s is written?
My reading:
8h16m56s
